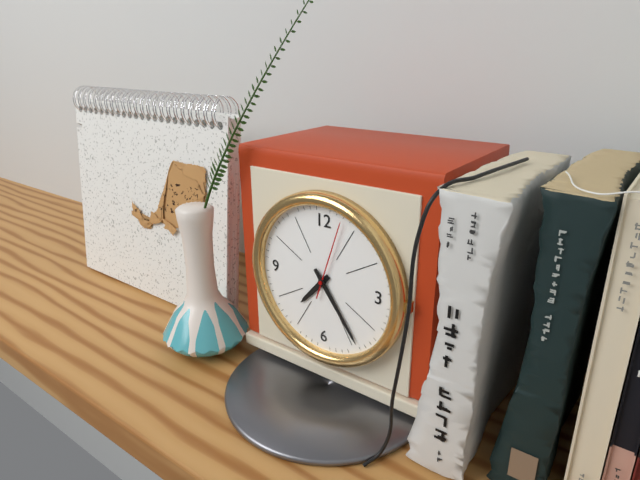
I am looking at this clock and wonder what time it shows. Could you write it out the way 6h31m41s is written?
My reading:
7h24m03s
